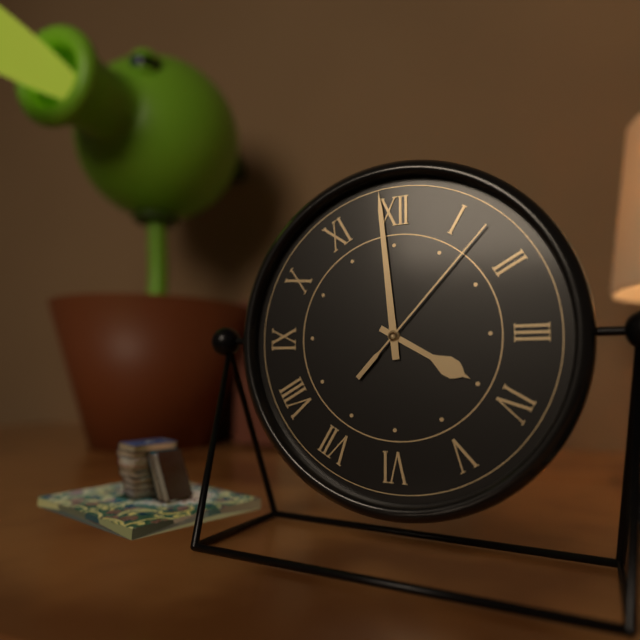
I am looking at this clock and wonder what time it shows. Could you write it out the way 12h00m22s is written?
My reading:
3h59m07s
